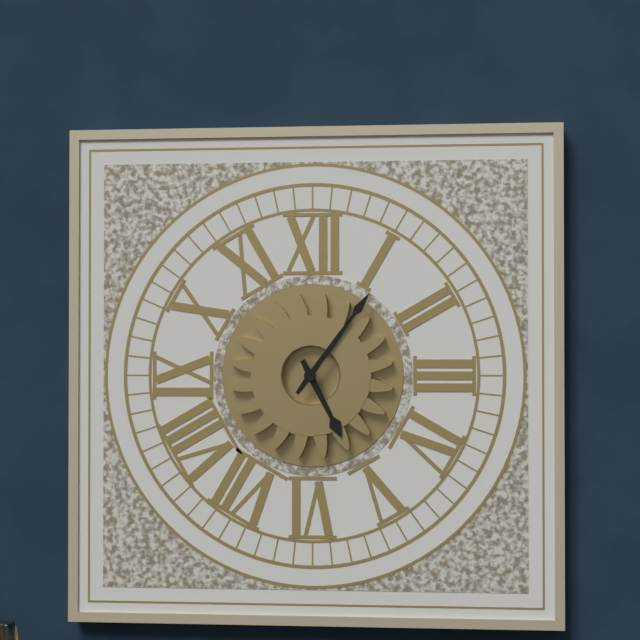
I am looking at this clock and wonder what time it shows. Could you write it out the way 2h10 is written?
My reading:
5h06
